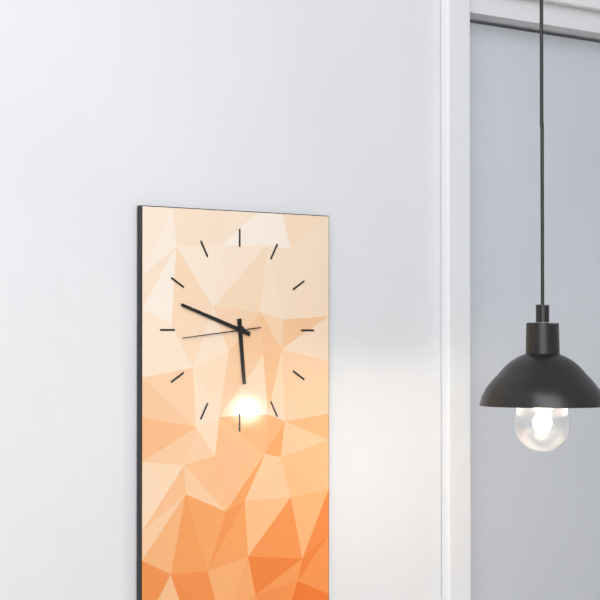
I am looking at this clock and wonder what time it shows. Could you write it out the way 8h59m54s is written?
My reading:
5h48m44s
